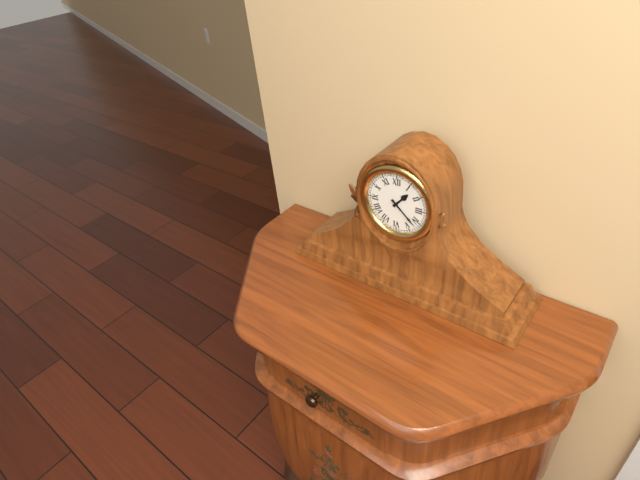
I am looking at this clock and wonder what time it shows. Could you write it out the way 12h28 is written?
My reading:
1h22
